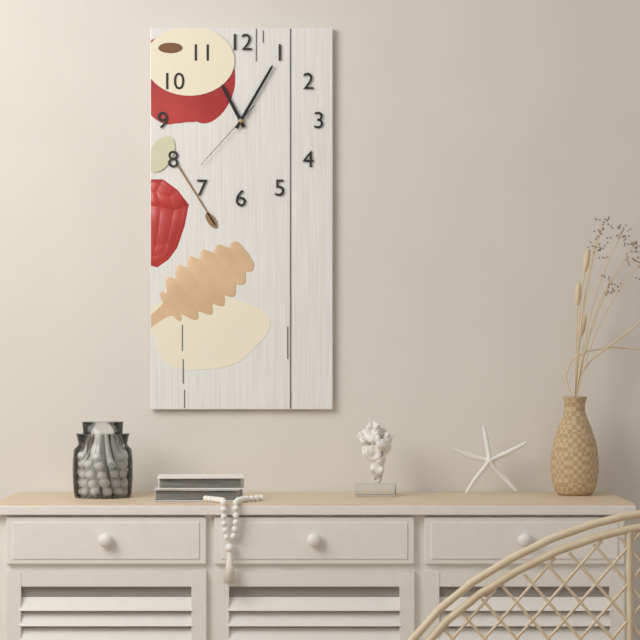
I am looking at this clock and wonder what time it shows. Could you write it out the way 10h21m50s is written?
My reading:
11h05m37s
